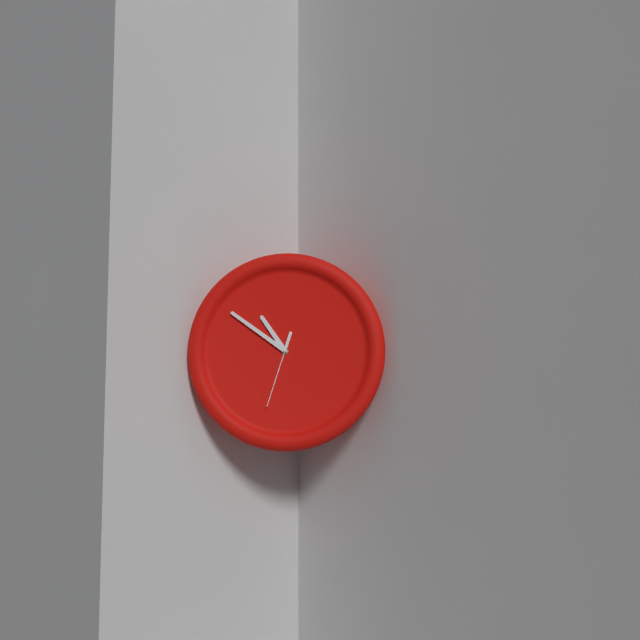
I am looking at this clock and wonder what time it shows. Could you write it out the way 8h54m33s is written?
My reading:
10h51m33s
